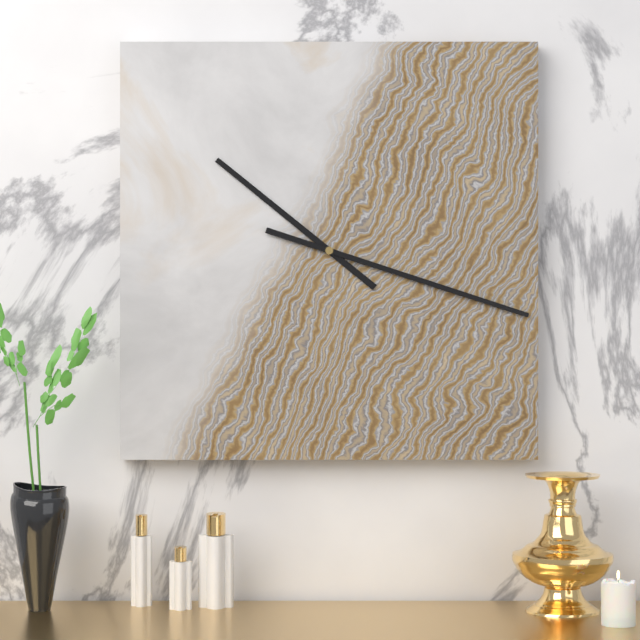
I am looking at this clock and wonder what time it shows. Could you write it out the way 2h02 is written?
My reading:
10h18
